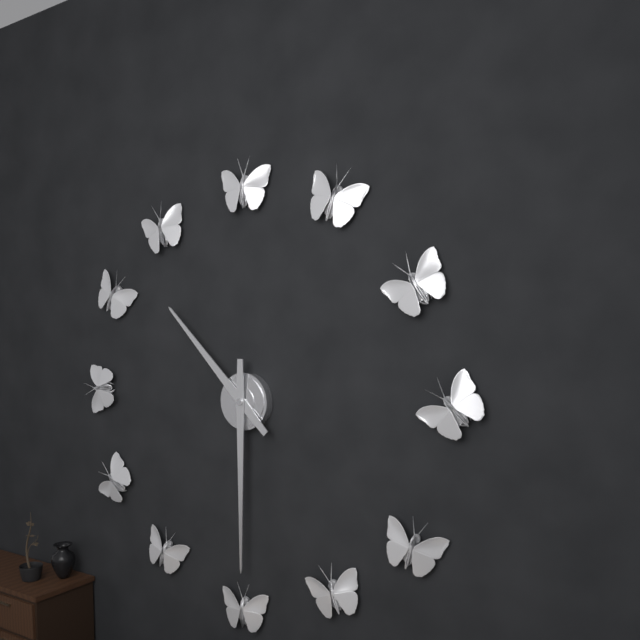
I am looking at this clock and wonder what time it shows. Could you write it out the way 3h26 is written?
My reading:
10h30
